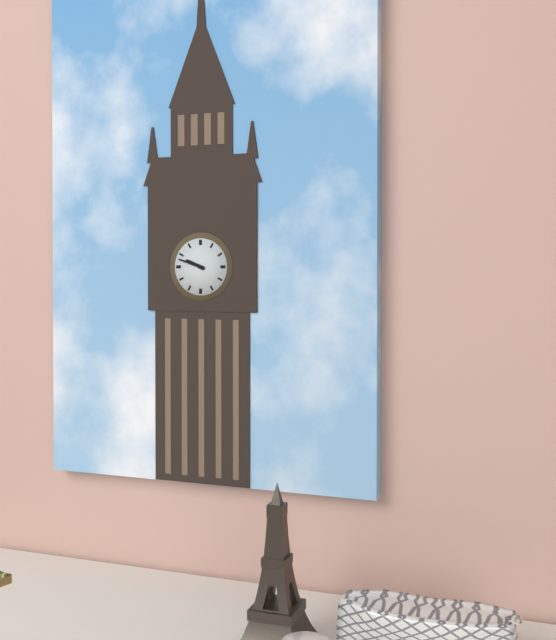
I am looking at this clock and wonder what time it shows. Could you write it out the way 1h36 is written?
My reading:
9h48
